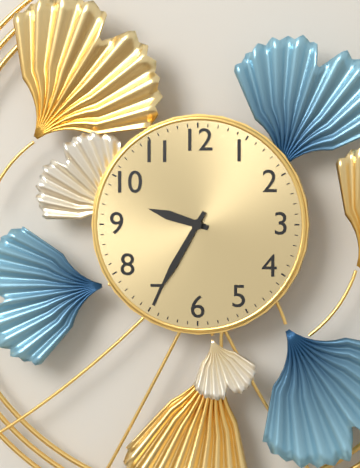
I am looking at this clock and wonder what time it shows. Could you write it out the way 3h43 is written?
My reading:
9h35
